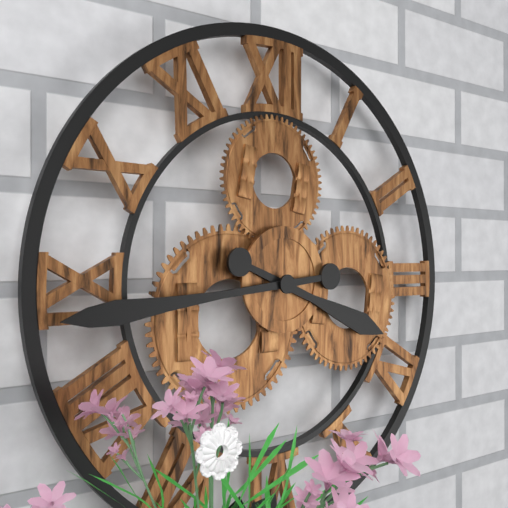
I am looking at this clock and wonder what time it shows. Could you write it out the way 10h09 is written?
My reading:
3h44
